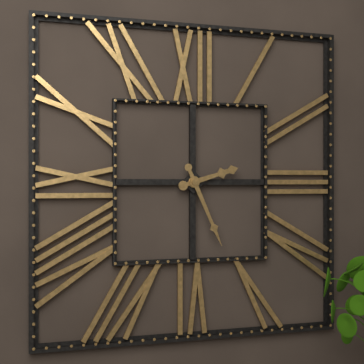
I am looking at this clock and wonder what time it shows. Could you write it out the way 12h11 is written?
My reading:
2h26
